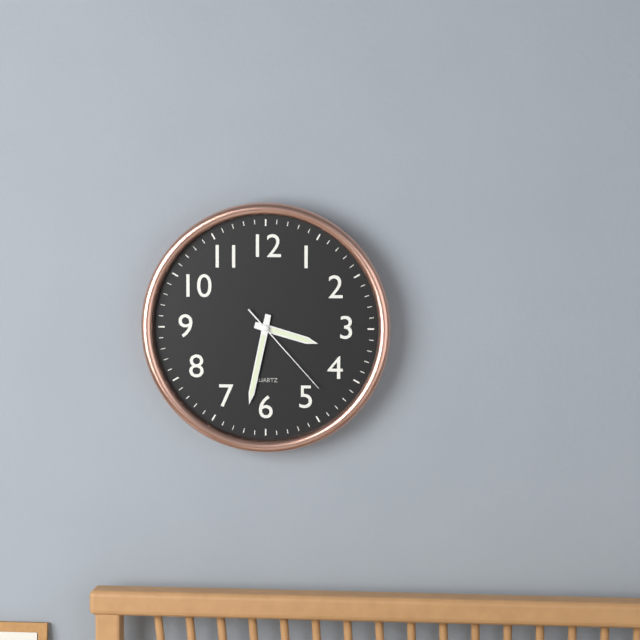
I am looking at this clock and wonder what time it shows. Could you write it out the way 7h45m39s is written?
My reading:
3h32m23s
